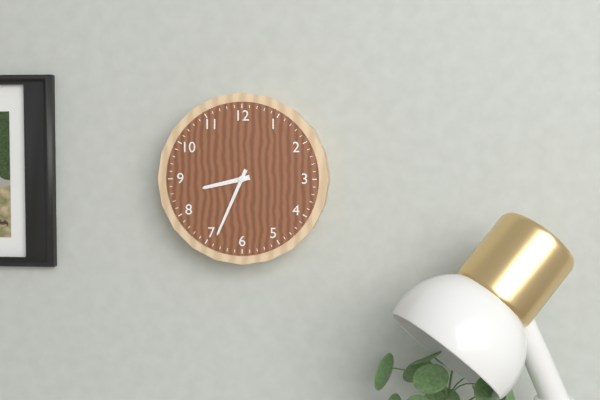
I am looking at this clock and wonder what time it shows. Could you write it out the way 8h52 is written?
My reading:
8h34
